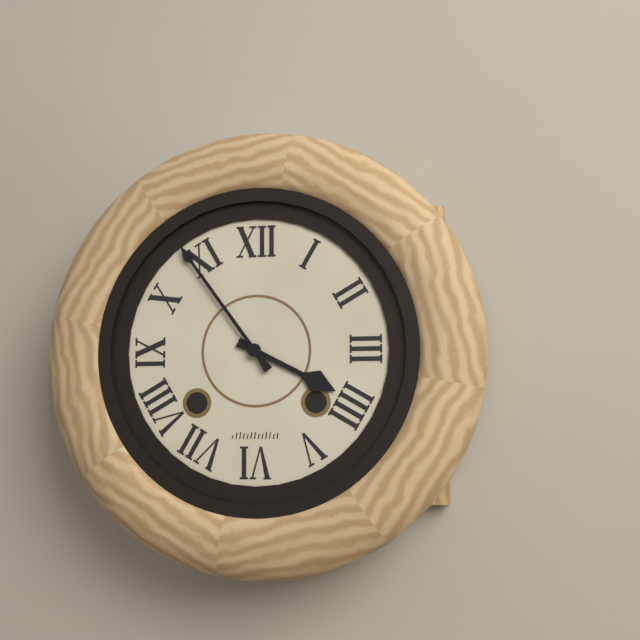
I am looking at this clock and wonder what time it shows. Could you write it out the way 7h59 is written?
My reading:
3h54
